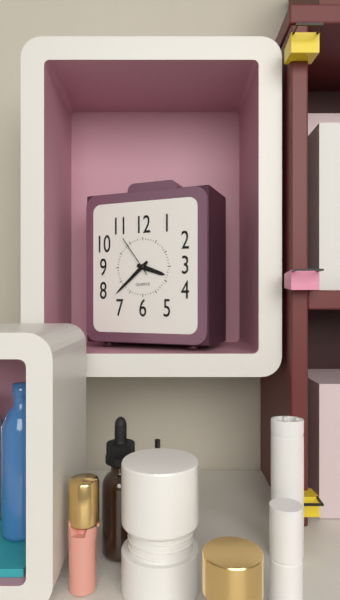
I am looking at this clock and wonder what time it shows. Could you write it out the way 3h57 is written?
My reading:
3h38
